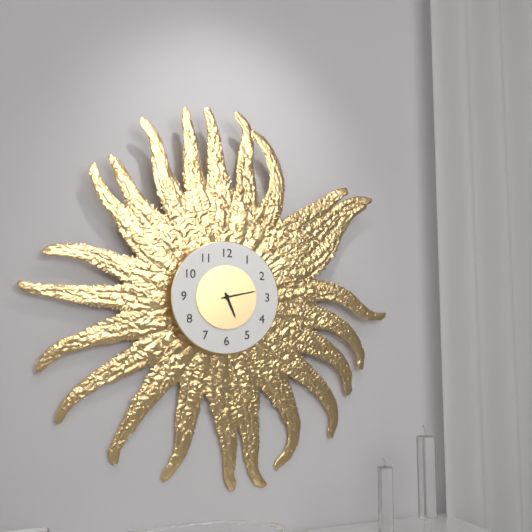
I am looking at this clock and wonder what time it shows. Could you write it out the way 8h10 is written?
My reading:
5h13
